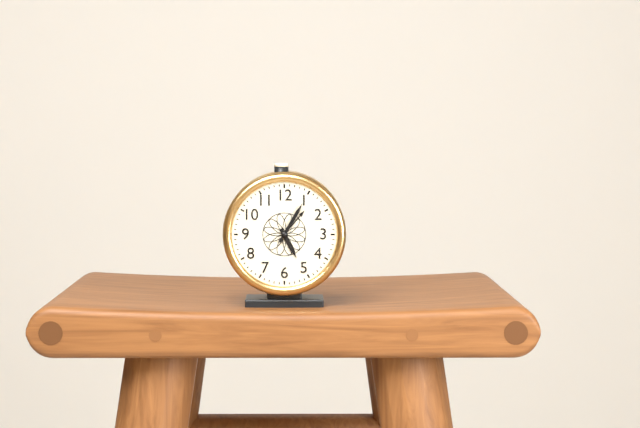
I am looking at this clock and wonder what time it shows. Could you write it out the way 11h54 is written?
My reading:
5h05
